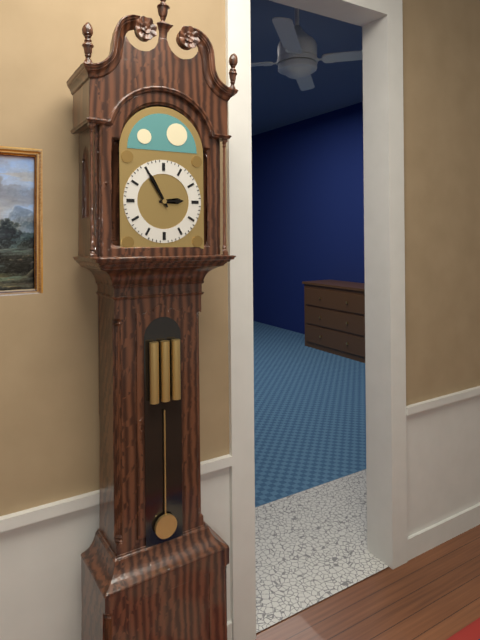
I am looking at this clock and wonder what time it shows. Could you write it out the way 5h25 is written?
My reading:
2h55
